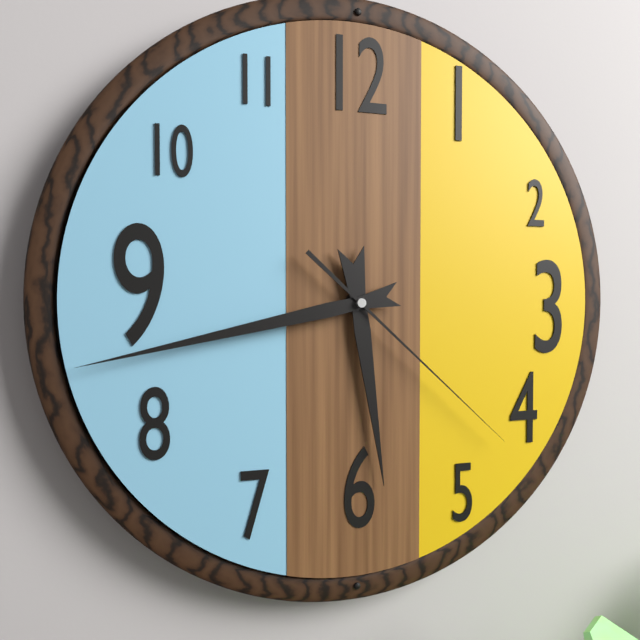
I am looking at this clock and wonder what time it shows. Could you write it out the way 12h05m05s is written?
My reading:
5h43m22s
